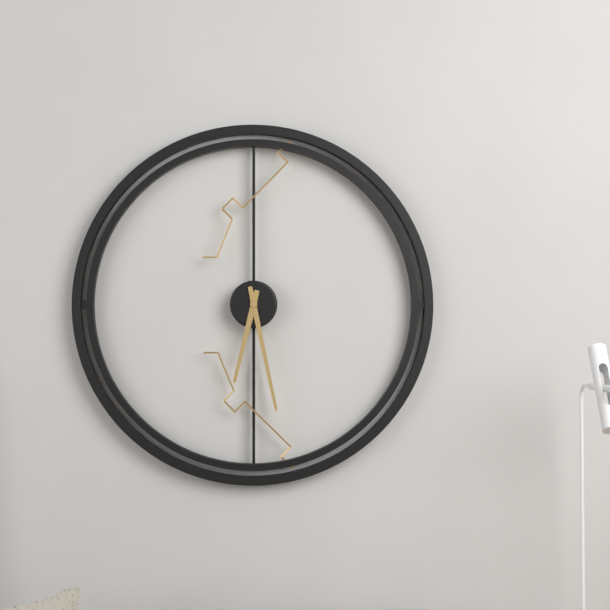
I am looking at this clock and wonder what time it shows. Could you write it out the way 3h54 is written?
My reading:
6h28
